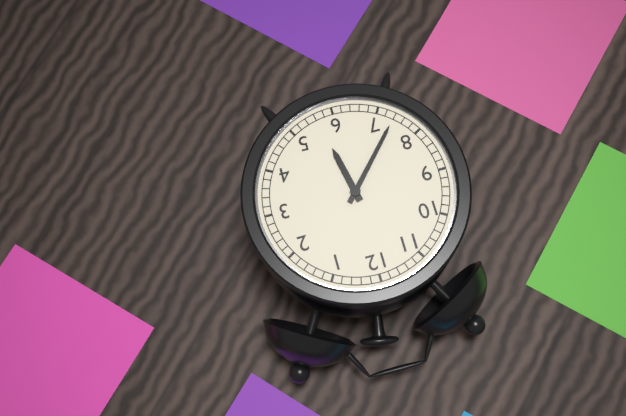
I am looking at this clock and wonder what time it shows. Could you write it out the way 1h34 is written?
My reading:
5h37
